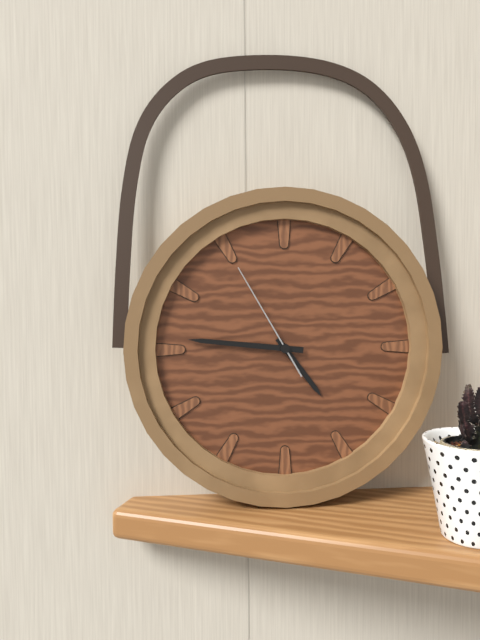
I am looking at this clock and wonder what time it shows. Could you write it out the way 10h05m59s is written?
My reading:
4h46m55s
